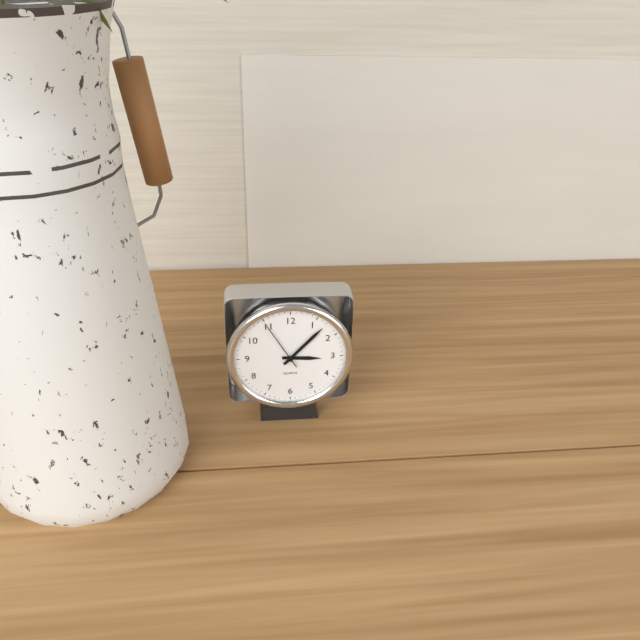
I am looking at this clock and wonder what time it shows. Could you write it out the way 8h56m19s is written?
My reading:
3h07m55s
